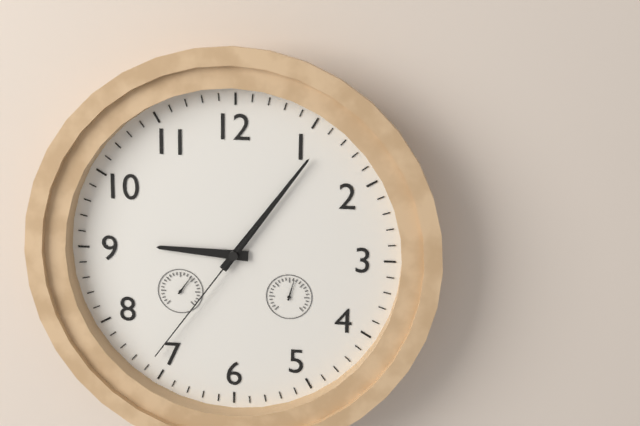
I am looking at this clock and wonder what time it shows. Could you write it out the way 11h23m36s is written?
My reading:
9h06m36s
